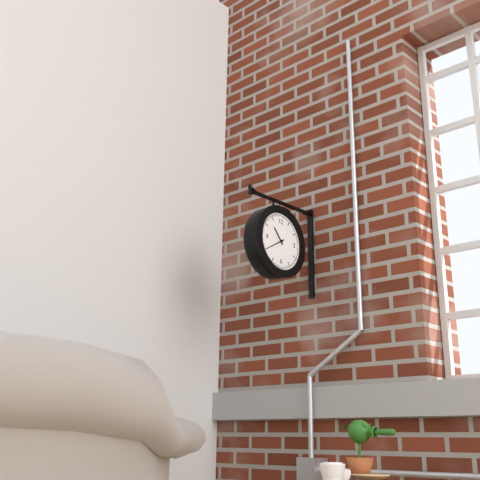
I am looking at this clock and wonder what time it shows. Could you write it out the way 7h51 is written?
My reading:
10h40
